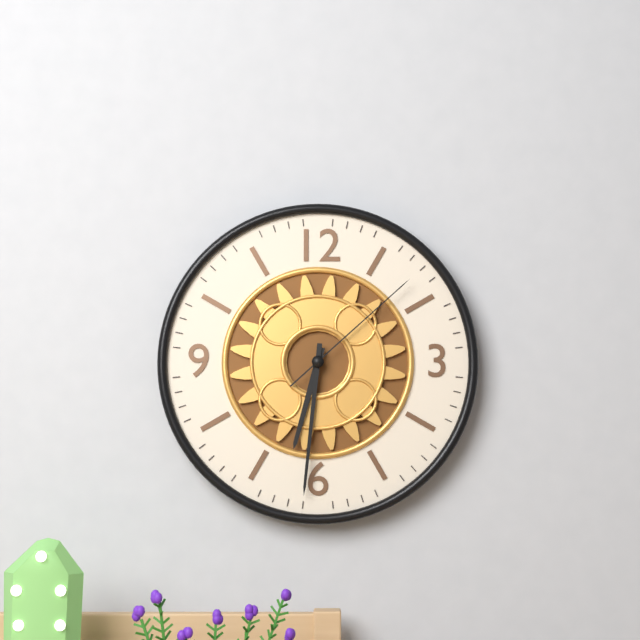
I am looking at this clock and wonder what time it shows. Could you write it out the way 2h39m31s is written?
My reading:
6h31m08s
